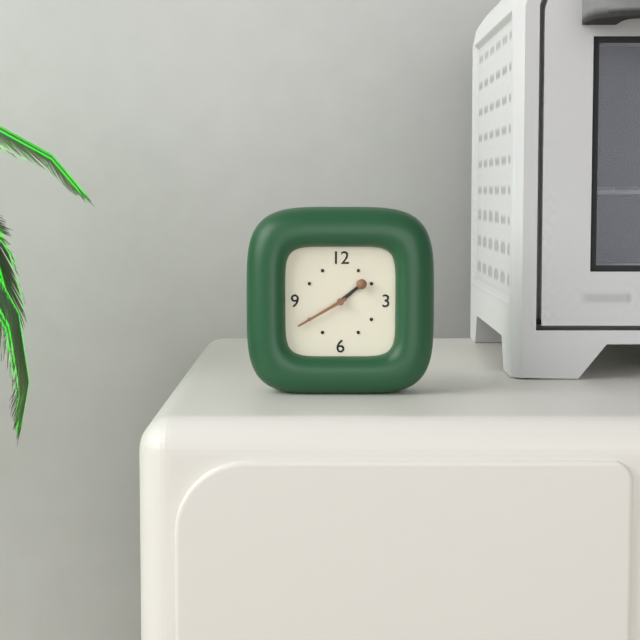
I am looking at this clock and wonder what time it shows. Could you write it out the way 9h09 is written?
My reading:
1h40
